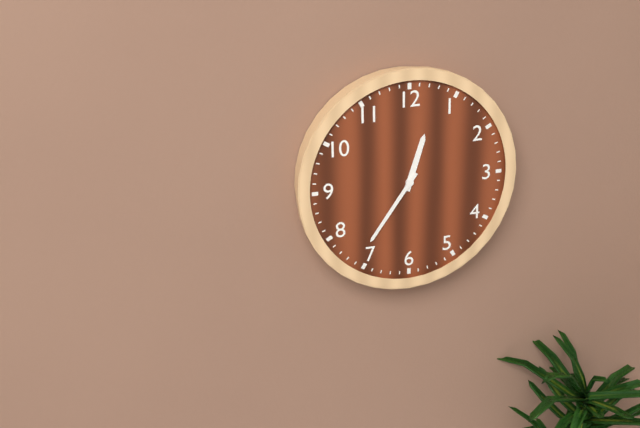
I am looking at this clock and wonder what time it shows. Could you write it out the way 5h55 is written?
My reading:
12h36
